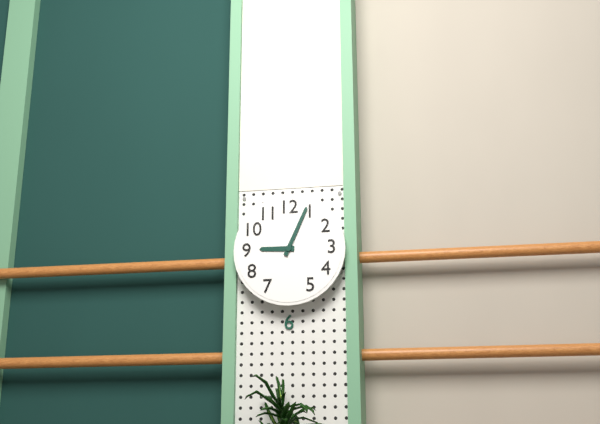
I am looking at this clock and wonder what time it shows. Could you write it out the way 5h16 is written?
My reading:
9h04
